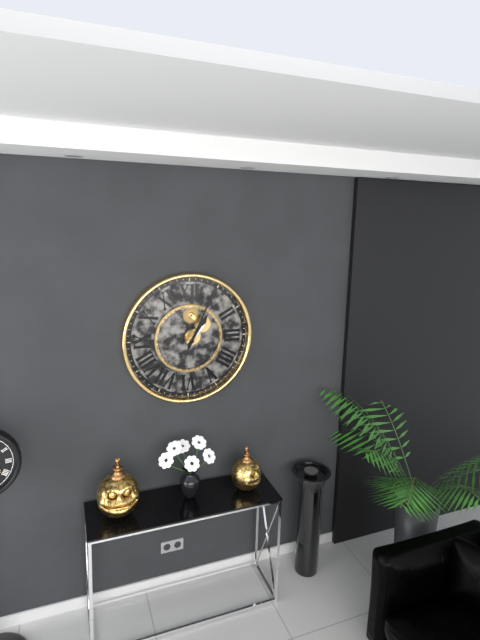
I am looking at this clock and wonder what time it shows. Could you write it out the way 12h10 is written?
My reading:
1h04
